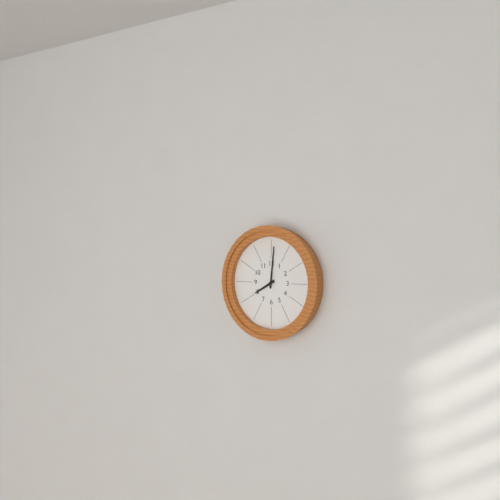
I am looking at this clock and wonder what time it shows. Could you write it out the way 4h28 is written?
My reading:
8h01
